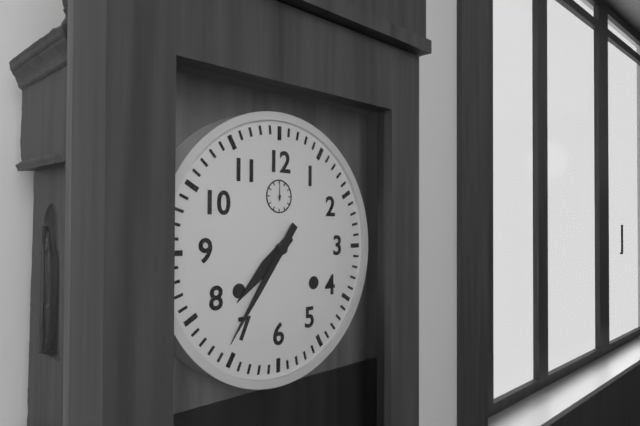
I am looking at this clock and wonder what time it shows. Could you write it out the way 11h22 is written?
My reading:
7h36
